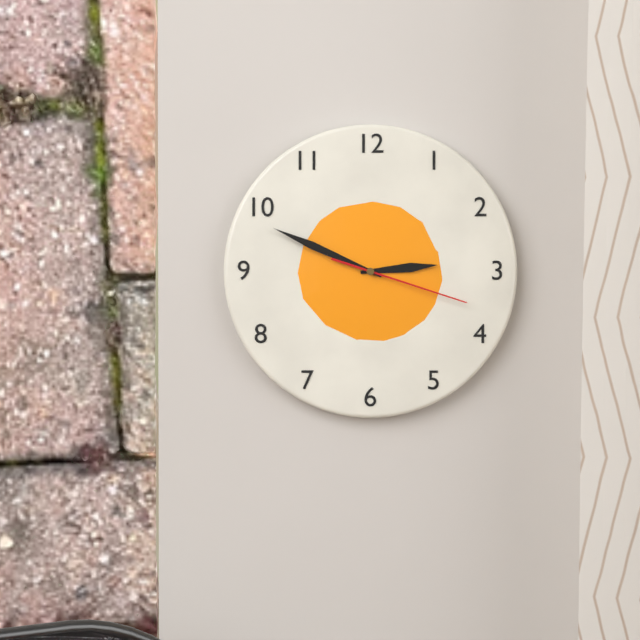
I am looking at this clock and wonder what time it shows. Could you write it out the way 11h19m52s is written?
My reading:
2h49m18s
